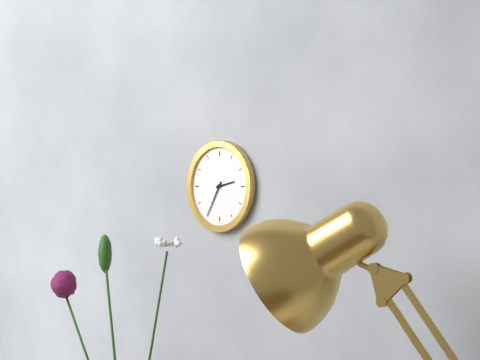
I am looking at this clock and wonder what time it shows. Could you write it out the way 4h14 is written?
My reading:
2h35
